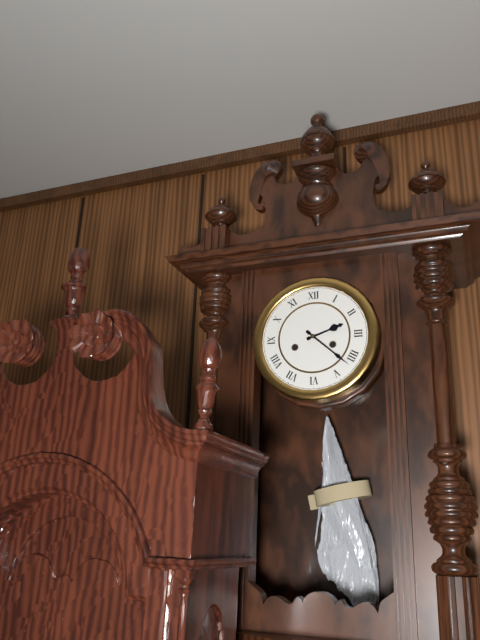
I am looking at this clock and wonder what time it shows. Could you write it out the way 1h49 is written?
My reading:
2h22
